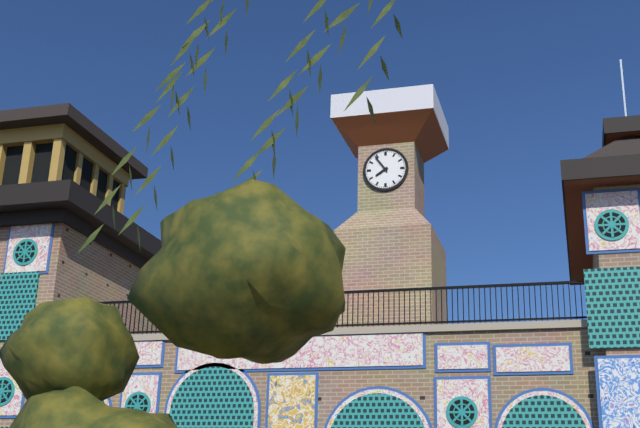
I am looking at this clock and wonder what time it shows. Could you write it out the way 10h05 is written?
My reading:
7h54
